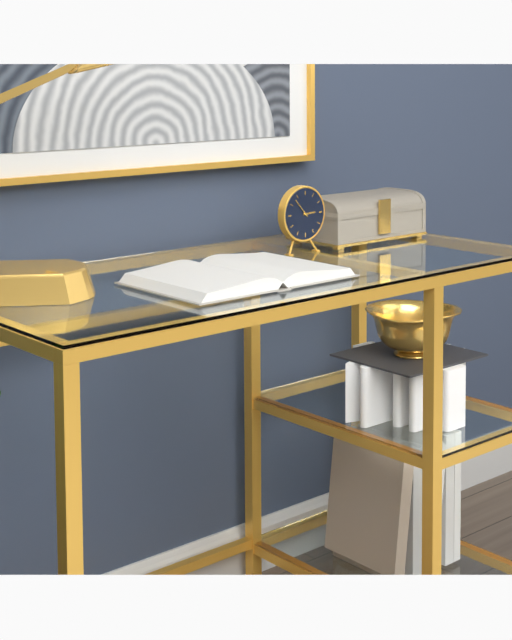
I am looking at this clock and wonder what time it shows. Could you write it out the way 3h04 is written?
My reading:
2h53
